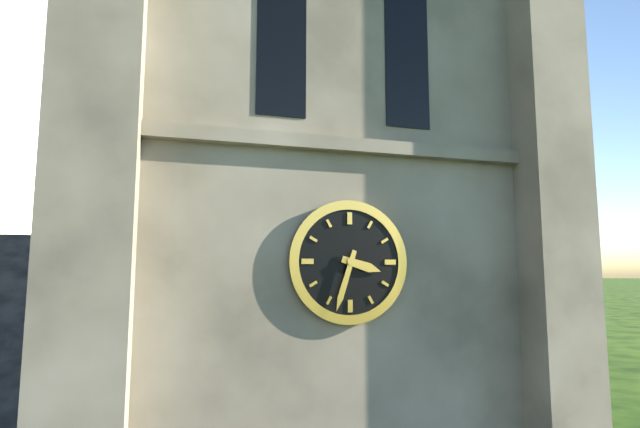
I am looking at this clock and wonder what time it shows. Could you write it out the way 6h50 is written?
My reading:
3h33
